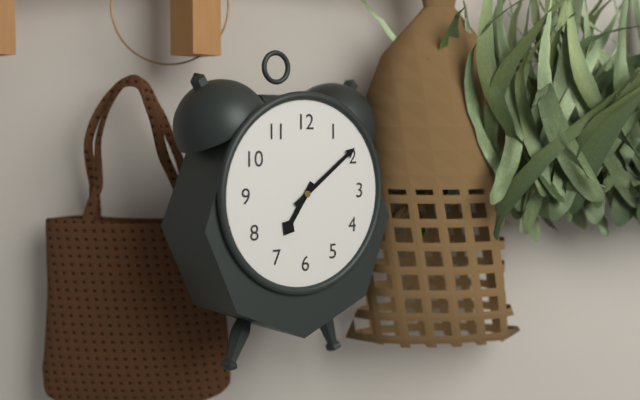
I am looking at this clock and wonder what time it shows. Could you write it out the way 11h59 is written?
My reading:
7h09
